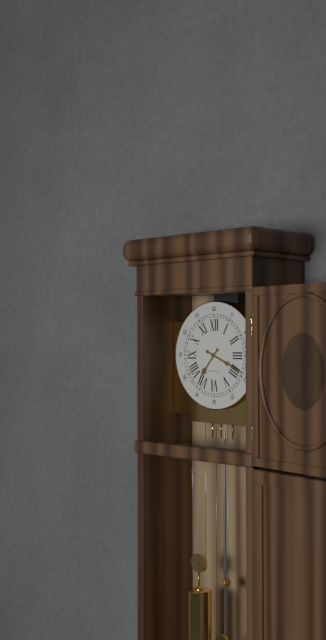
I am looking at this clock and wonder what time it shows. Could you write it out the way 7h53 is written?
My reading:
7h19
